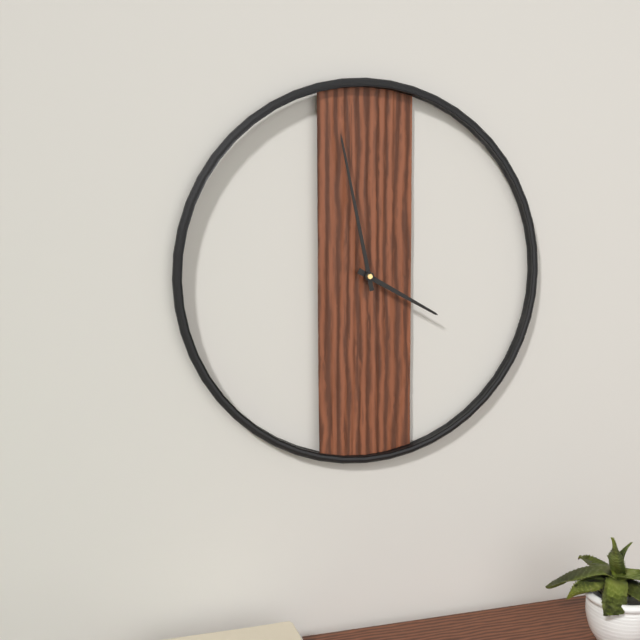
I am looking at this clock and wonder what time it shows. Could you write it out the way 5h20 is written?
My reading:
3h58
